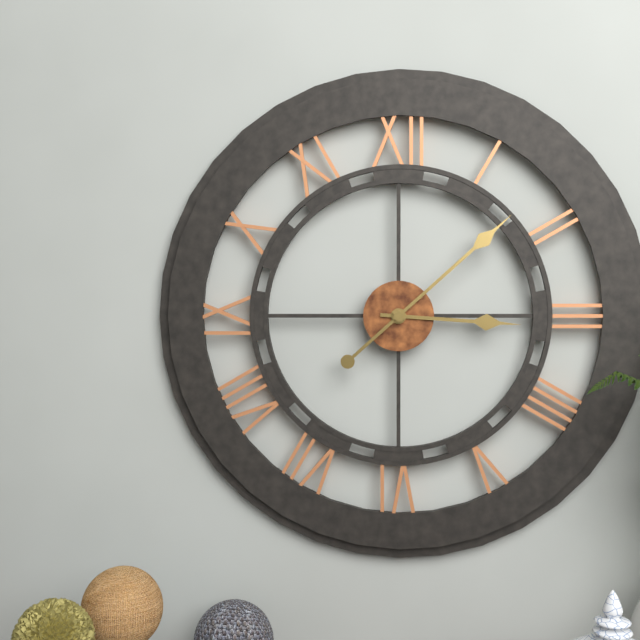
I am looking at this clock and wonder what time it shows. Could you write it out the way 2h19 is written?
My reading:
3h08
